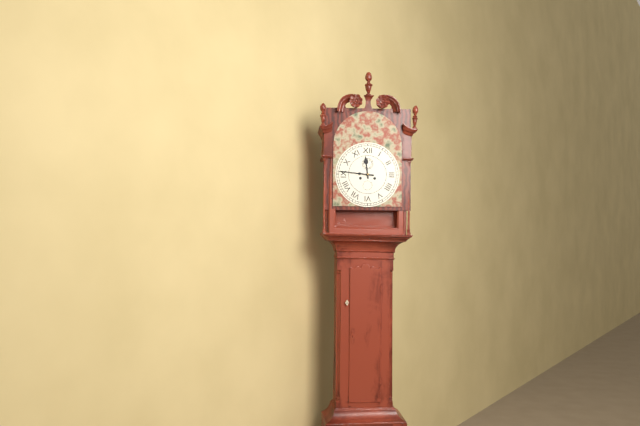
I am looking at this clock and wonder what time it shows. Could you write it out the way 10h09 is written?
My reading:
11h46
